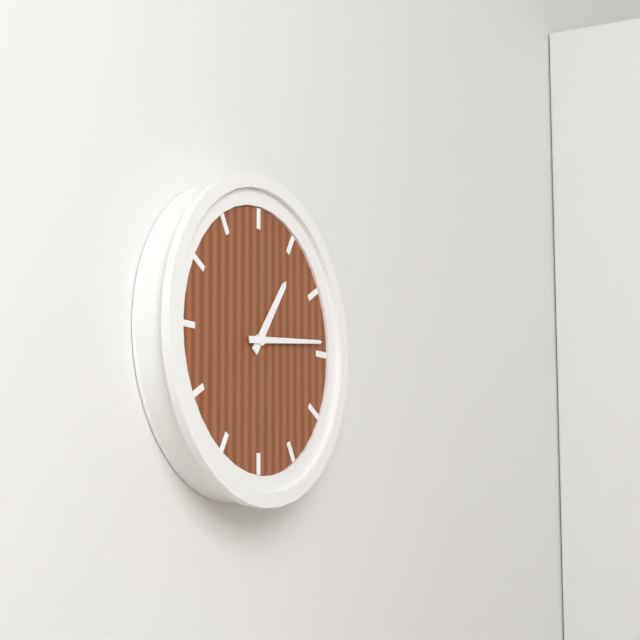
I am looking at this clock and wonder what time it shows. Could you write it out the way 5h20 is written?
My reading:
1h14
